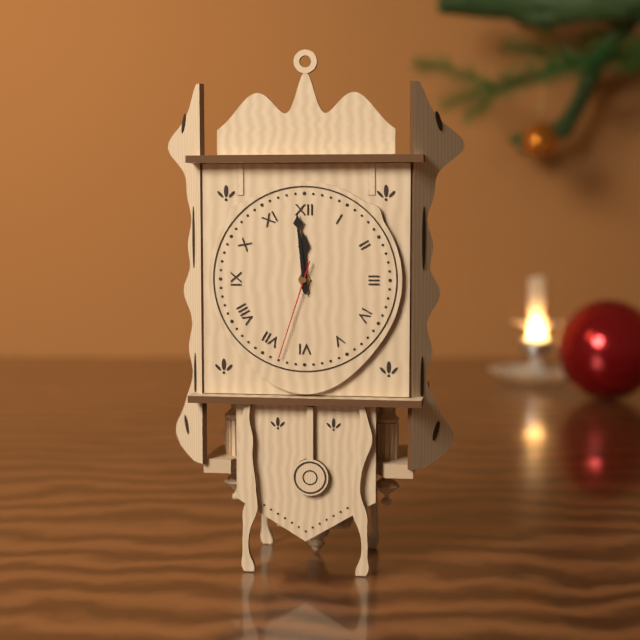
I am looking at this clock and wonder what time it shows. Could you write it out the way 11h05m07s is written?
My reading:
11h59m33s
